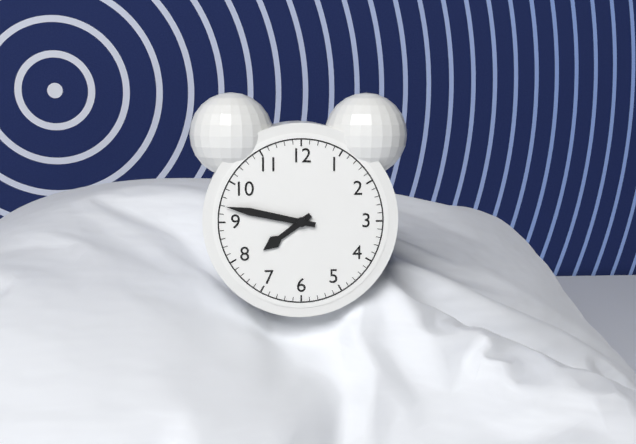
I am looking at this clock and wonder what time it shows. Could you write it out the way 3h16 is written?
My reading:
7h47
